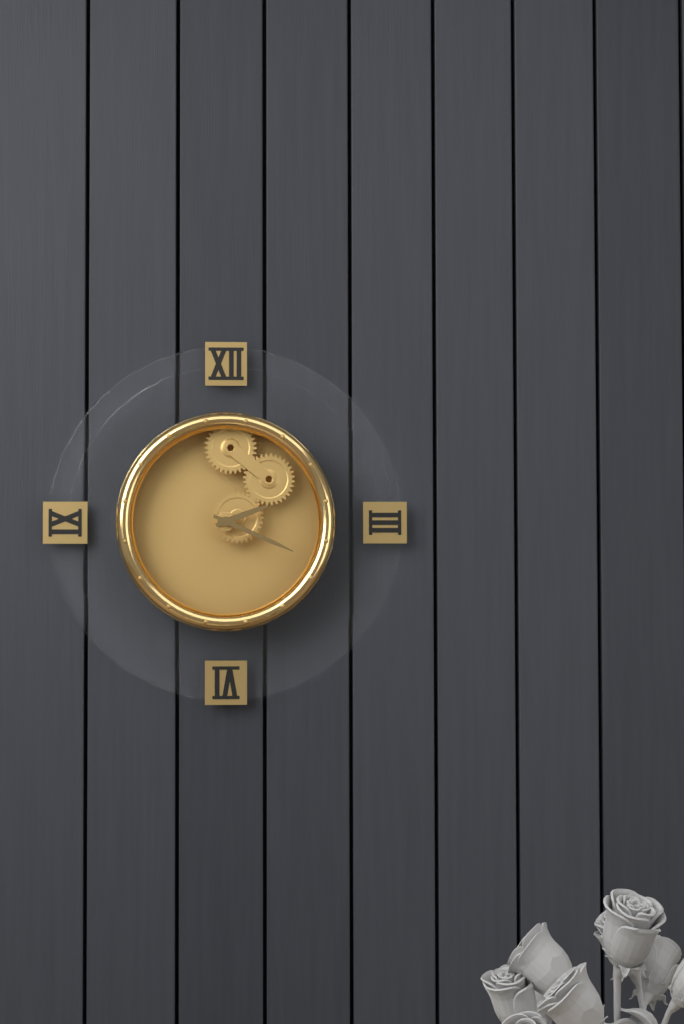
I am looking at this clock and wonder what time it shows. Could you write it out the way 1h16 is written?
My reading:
2h19
